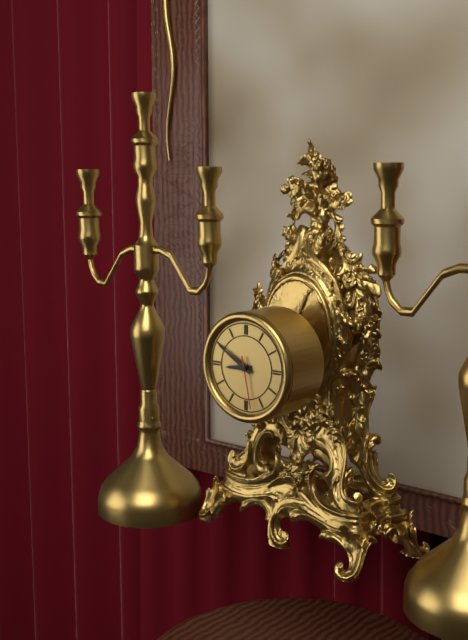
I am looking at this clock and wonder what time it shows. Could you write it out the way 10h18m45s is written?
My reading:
8h50m28s
